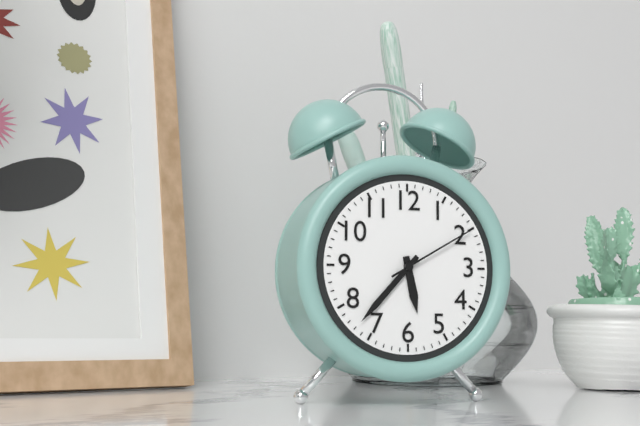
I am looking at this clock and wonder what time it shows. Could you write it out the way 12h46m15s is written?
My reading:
5h37m10s
